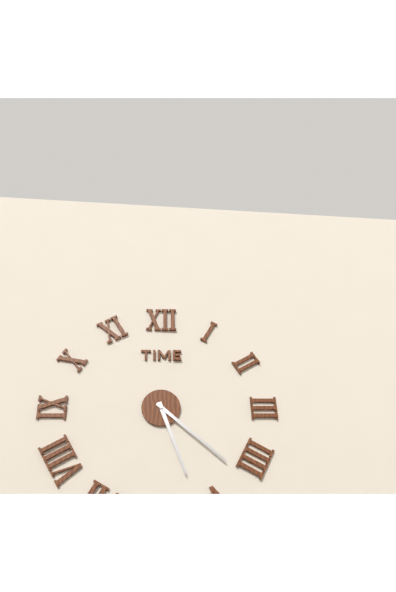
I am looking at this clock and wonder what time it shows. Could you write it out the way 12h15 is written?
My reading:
5h22
